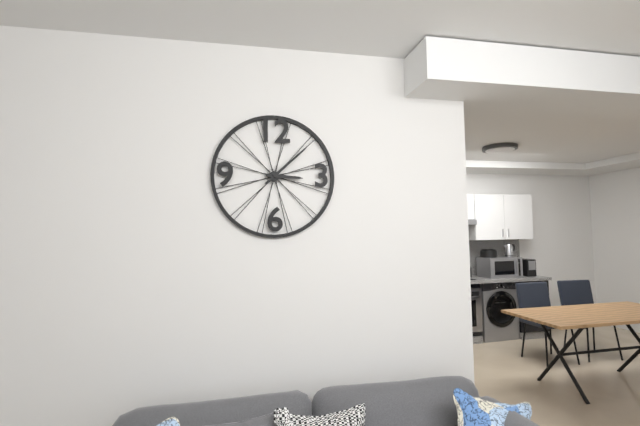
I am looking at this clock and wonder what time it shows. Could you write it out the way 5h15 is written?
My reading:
3h08
